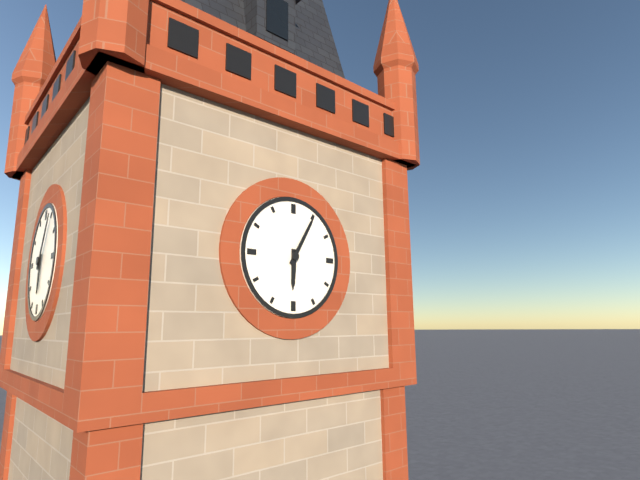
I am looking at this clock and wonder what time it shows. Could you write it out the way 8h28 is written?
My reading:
6h05
